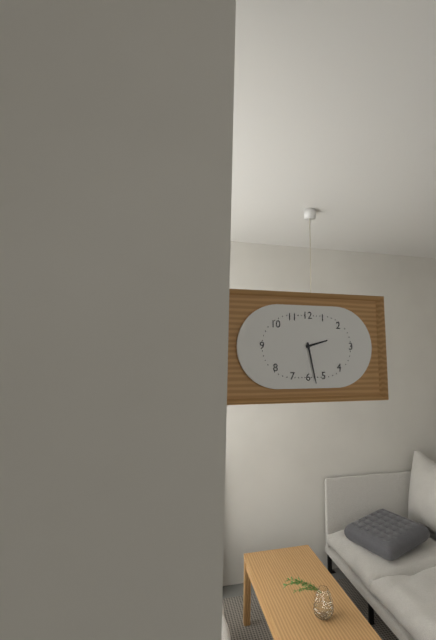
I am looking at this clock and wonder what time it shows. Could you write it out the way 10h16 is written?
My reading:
2h28
